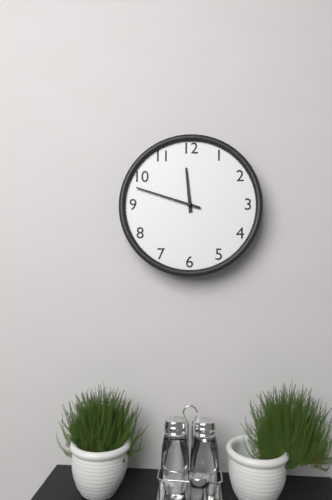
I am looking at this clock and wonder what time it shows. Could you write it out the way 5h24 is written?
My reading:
11h48
